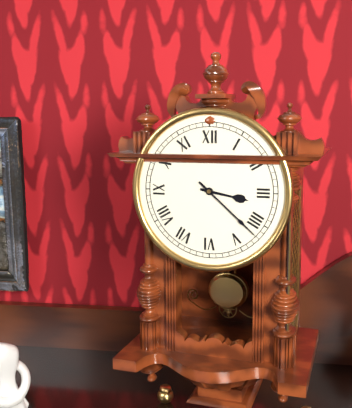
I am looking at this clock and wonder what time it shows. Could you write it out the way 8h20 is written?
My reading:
3h22
